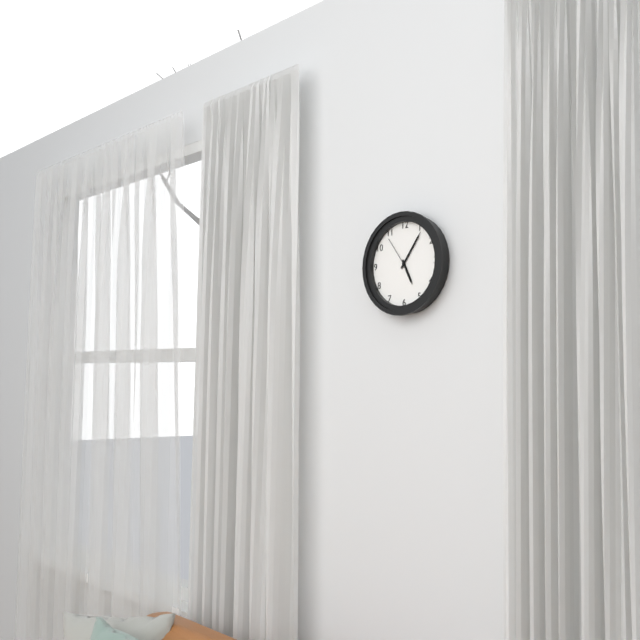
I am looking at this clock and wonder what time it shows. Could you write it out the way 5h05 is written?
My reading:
5h06
